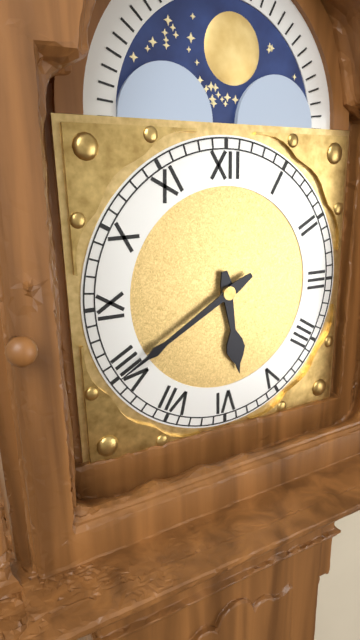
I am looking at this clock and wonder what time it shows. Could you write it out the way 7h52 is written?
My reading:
5h40
